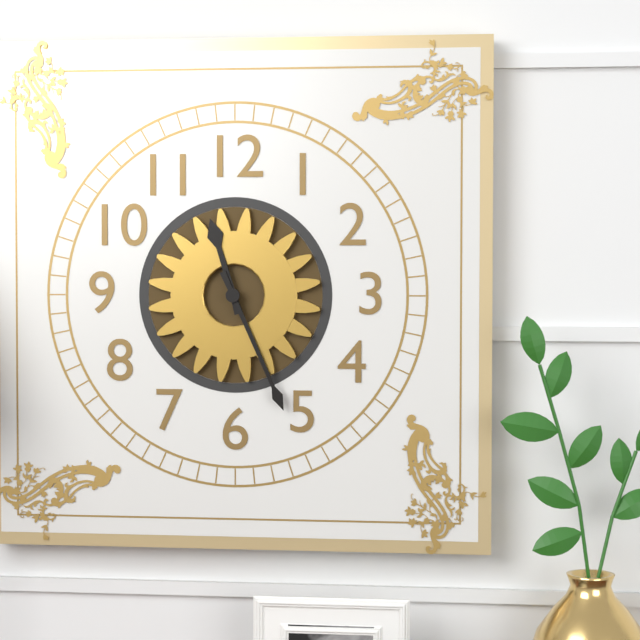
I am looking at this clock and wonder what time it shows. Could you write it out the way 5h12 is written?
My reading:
11h26
